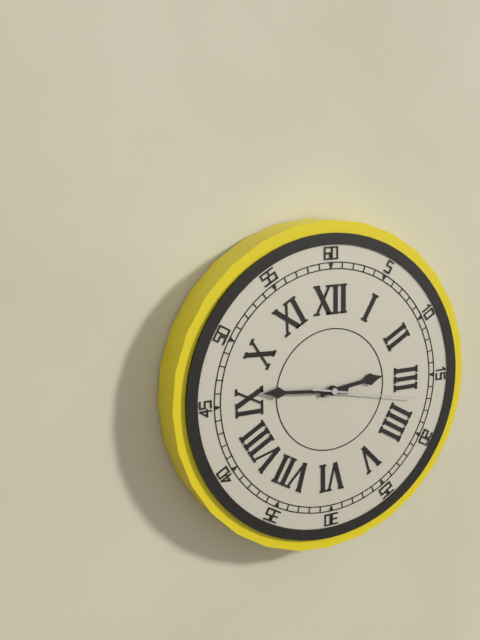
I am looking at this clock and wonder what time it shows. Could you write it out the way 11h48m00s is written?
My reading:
2h46m17s
